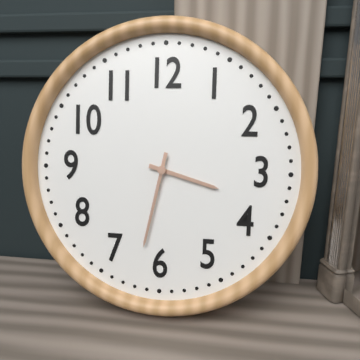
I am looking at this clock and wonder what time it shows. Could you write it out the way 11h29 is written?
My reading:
3h32
